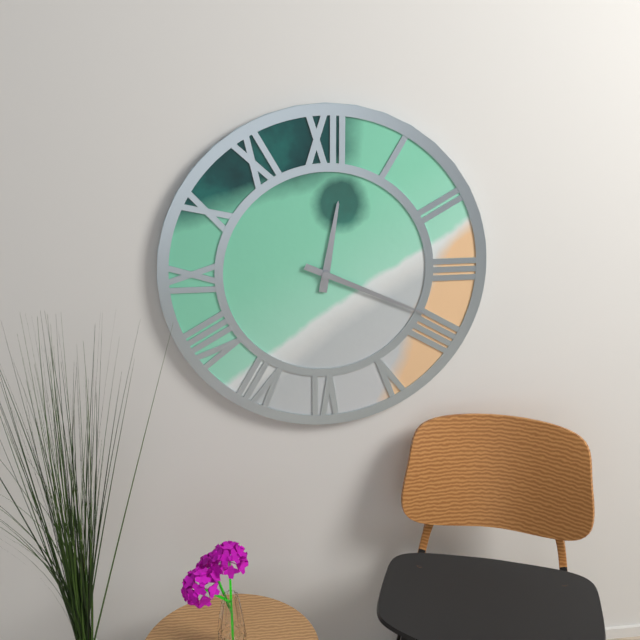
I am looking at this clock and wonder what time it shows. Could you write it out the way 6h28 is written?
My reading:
12h19
